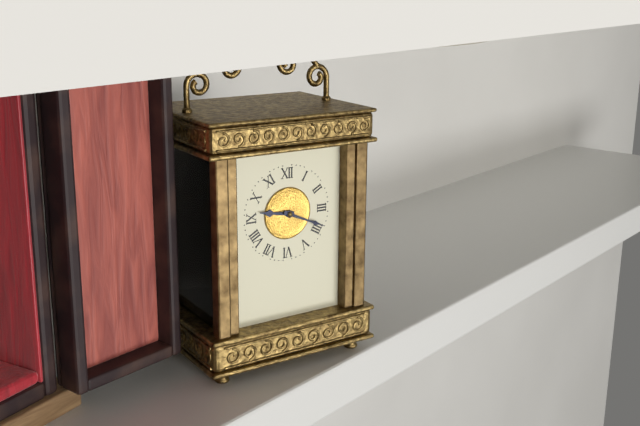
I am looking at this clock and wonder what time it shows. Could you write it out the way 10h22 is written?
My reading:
9h19
